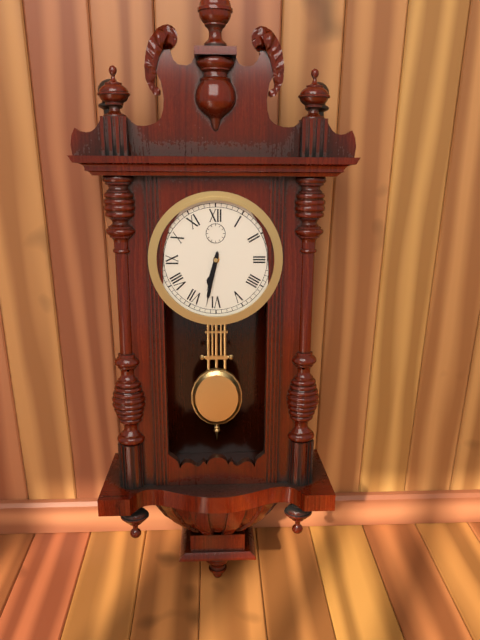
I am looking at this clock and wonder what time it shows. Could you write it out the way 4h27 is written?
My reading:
6h32
